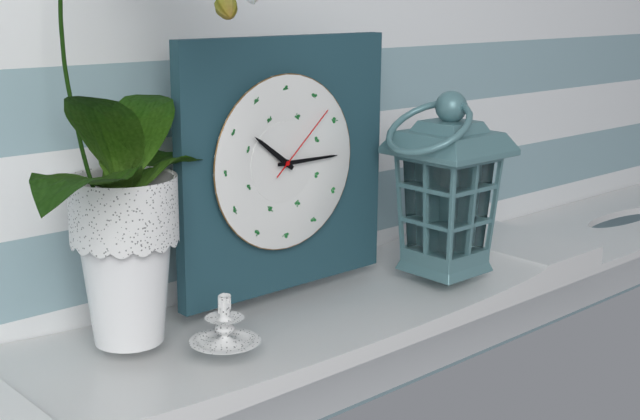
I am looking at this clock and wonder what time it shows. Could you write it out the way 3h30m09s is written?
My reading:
10h15m08s
